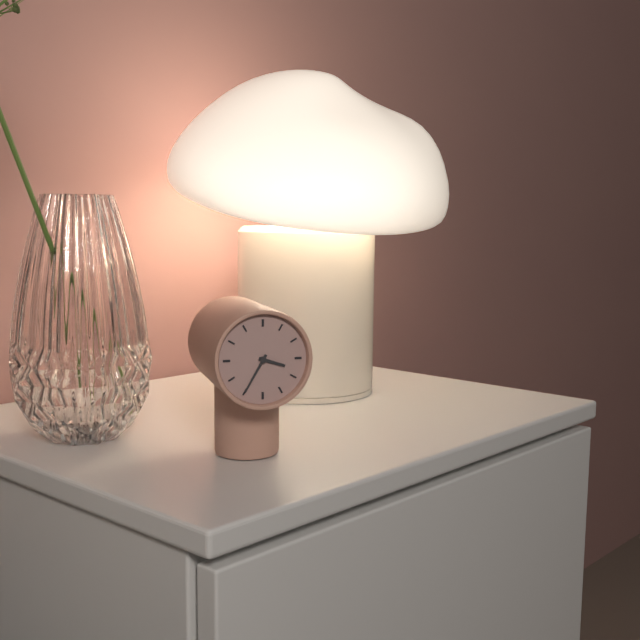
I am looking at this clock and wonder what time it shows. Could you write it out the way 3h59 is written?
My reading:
3h35
